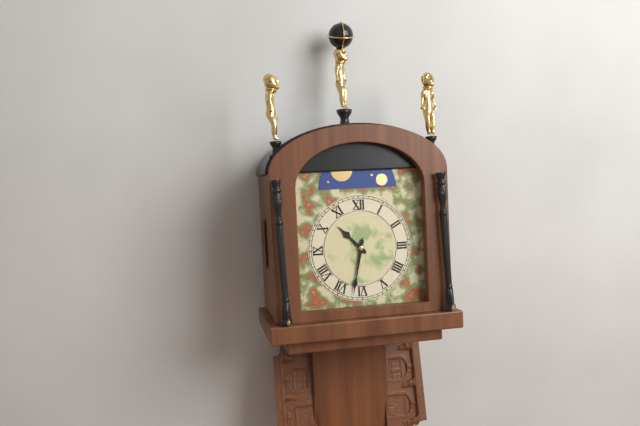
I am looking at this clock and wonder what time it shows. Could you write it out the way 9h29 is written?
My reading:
10h32
